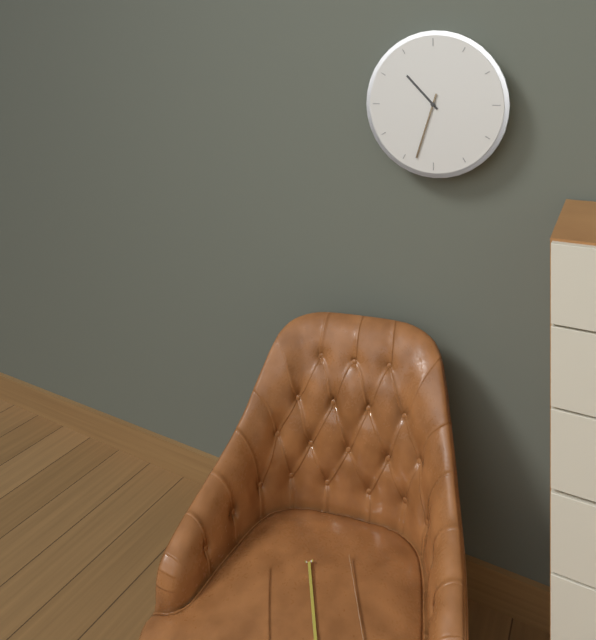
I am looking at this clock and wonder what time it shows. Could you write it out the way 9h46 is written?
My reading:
10h33
